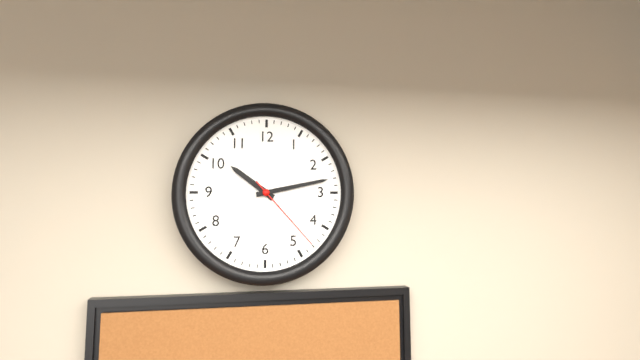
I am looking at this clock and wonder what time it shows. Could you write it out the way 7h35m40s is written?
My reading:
10h13m23s
